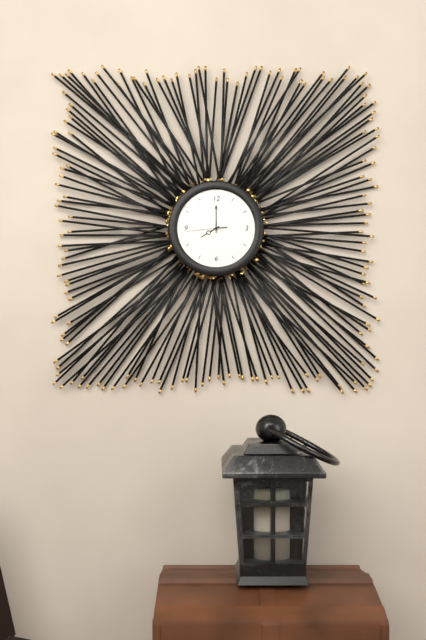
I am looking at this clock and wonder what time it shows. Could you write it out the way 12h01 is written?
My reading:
8h00
